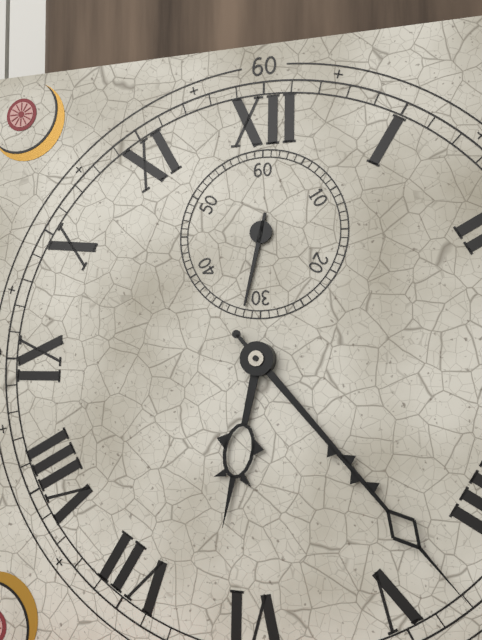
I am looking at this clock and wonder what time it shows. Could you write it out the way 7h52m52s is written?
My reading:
6h23m32s
